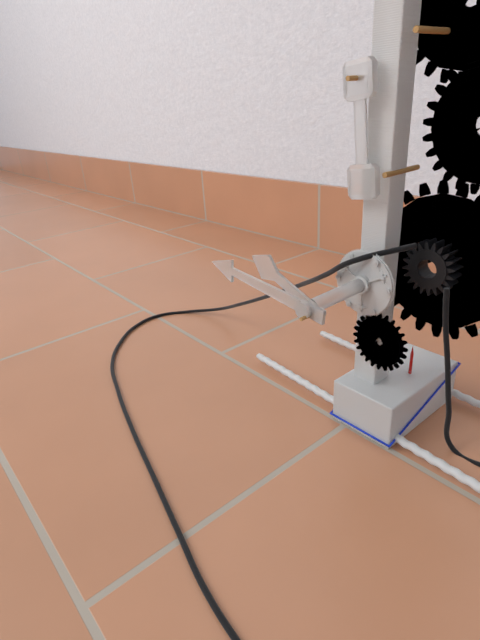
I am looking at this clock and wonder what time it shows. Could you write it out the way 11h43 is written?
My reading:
9h46
